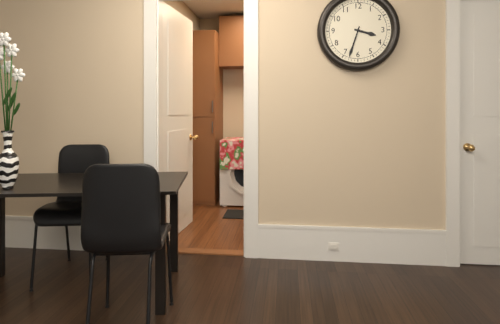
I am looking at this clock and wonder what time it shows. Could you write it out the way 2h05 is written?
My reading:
3h33
